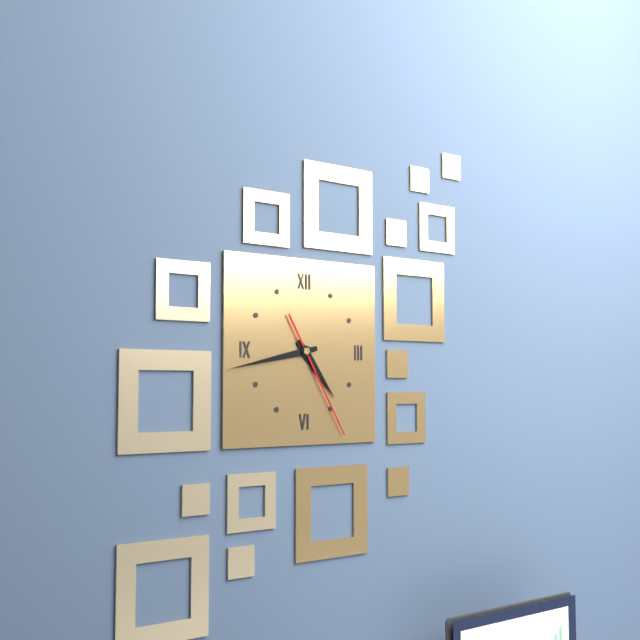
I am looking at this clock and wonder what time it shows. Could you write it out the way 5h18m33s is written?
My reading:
4h43m25s
